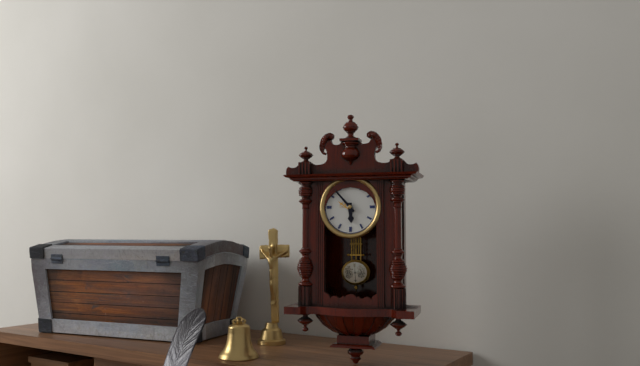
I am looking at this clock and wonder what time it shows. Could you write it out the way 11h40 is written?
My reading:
5h53
